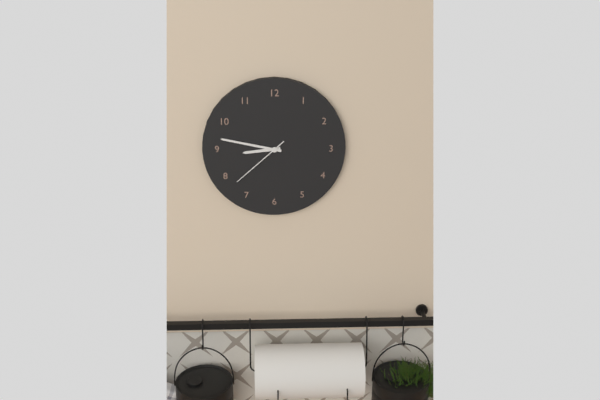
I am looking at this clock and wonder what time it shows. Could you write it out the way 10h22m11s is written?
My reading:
8h47m38s
